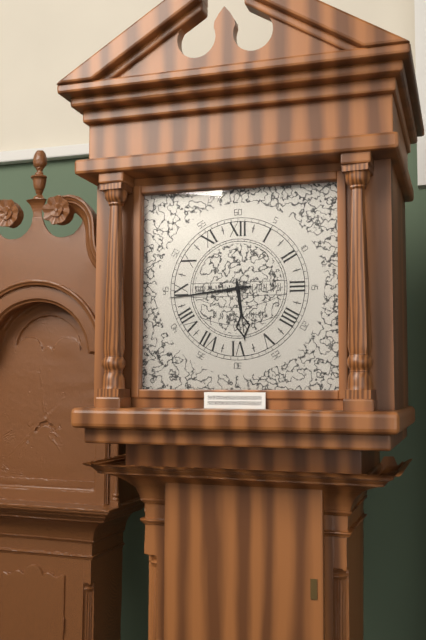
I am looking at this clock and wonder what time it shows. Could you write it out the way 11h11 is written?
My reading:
5h44
